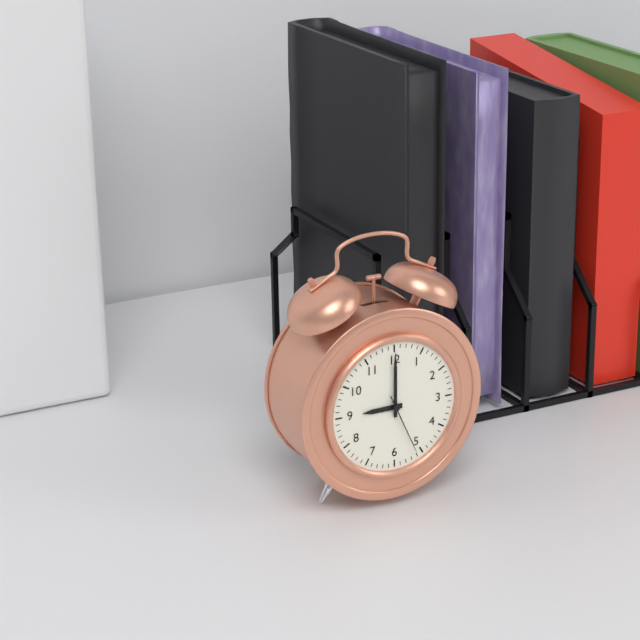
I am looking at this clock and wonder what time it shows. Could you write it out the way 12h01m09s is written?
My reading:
9h00m26s
